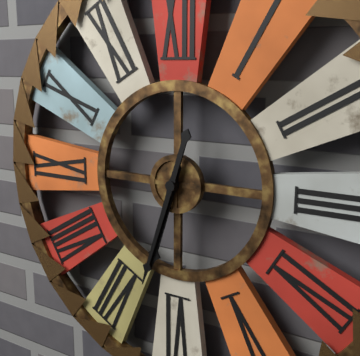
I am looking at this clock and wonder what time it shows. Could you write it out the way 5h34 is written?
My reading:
6h33
